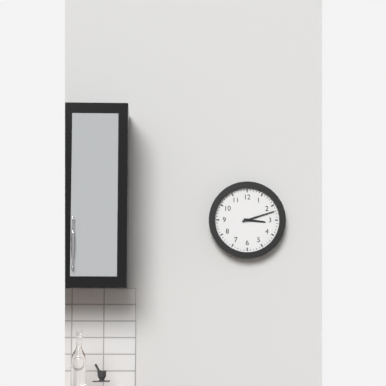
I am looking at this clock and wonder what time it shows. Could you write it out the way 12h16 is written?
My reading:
3h12
